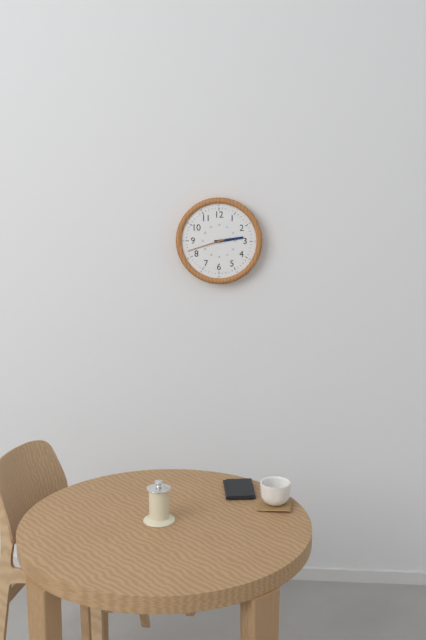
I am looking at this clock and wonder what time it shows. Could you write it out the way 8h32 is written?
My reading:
2h42
